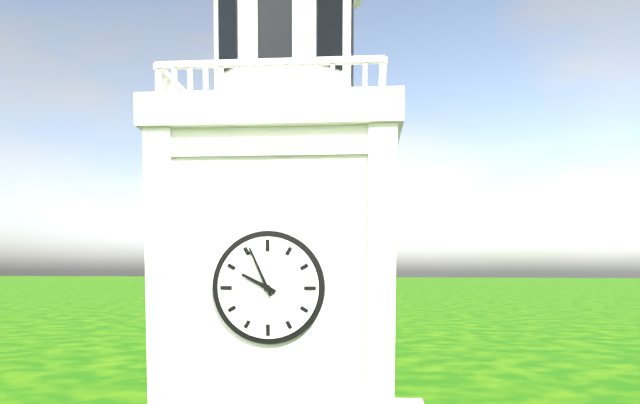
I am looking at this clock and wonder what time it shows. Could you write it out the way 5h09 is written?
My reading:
9h56
